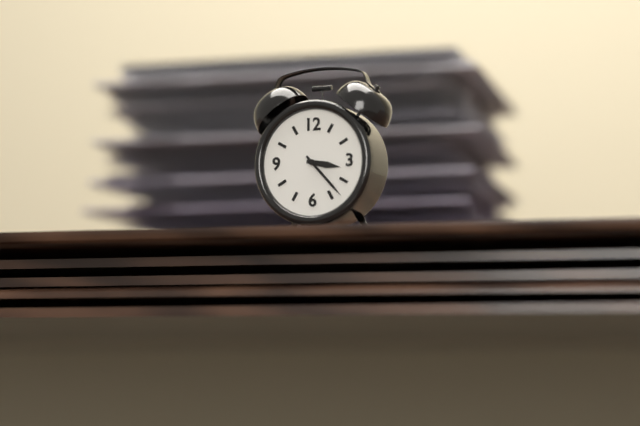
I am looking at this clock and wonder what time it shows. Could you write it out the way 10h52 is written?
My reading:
3h23
